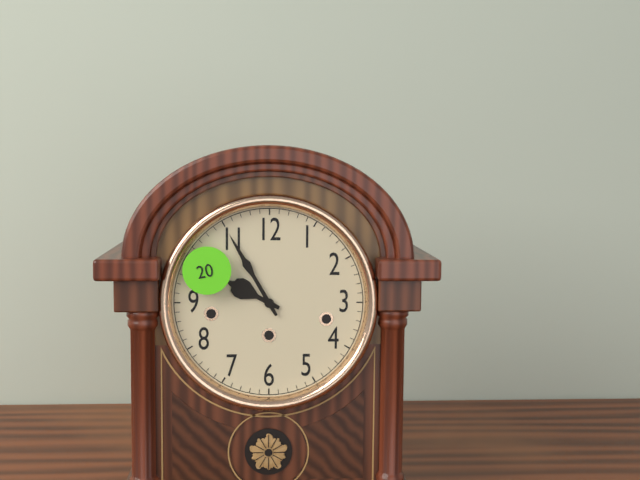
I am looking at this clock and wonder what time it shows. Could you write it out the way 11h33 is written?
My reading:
9h55
